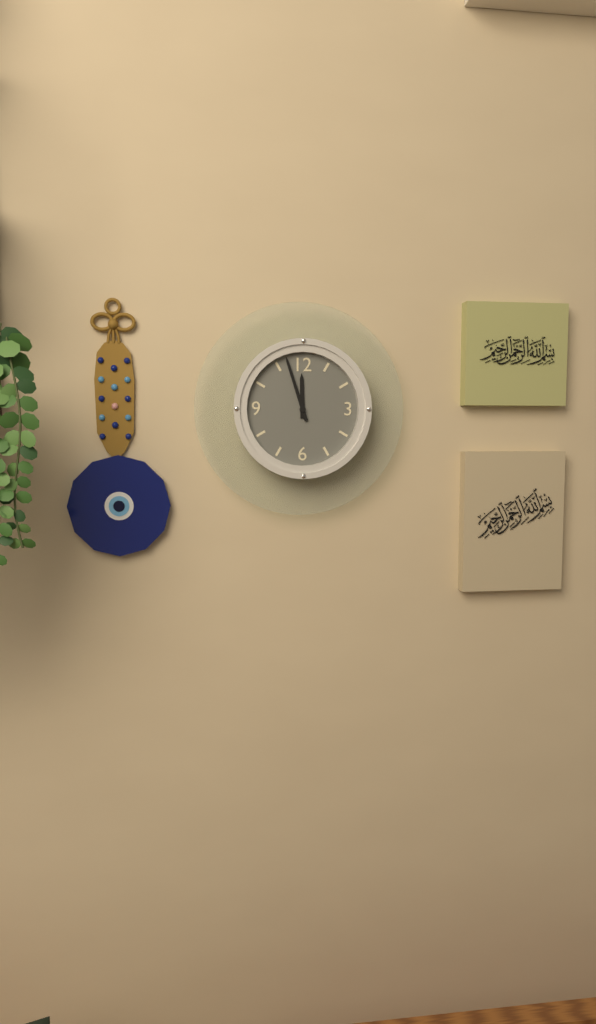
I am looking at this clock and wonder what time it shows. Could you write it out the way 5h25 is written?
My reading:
11h57
